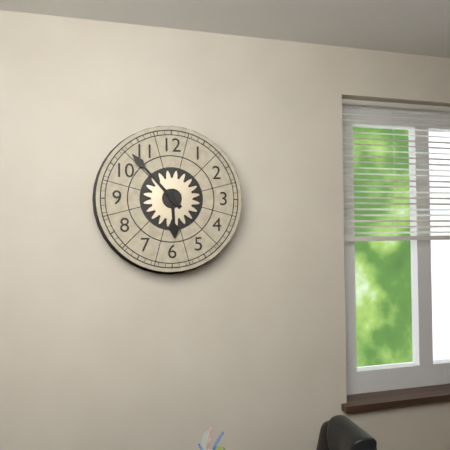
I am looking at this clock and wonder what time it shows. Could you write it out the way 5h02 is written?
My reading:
5h53
